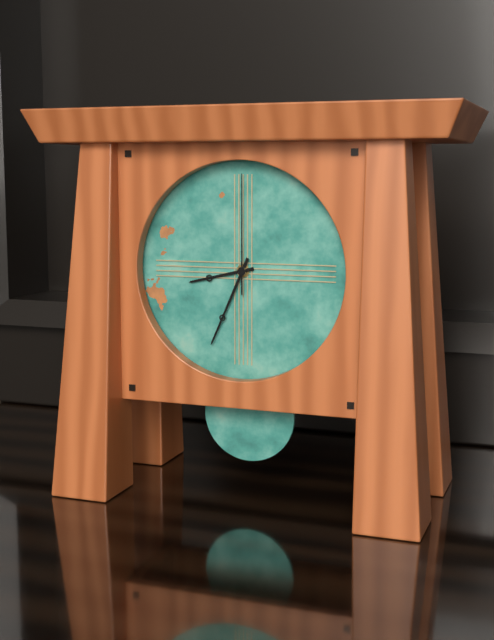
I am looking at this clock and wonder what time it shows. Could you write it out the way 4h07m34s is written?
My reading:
8h34m00s
